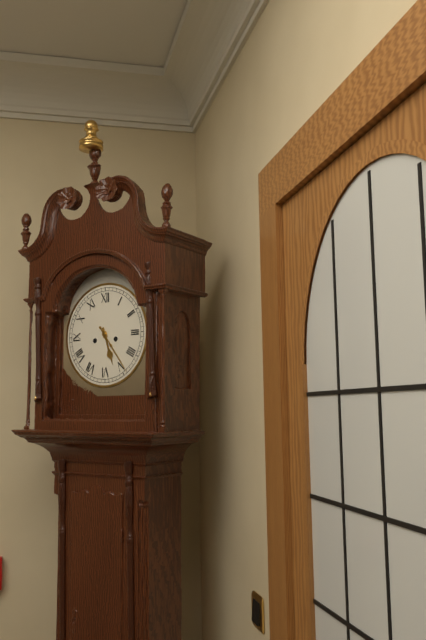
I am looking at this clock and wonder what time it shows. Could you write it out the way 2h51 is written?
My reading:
5h24
